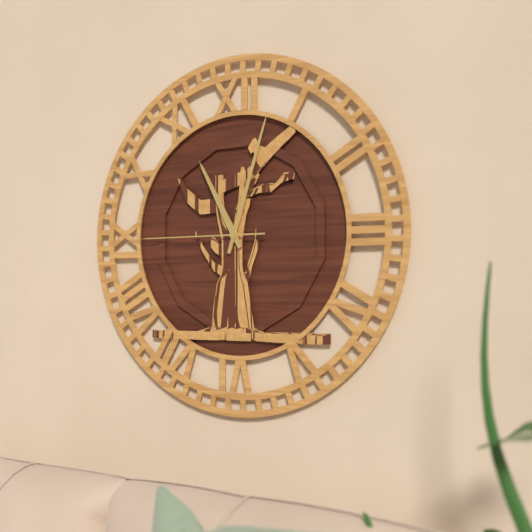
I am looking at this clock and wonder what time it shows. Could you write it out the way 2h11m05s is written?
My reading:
11h03m45s
